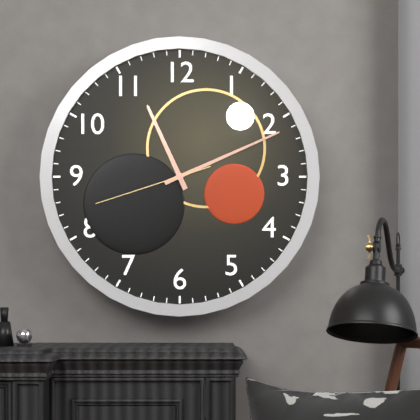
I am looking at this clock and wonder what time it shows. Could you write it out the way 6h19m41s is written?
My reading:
11h11m42s
